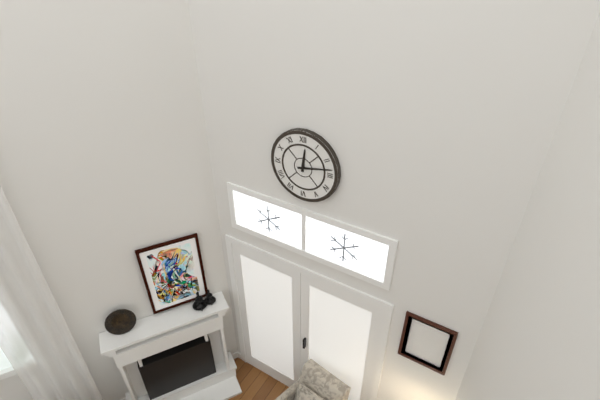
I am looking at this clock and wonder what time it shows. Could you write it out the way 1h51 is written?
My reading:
12h13
